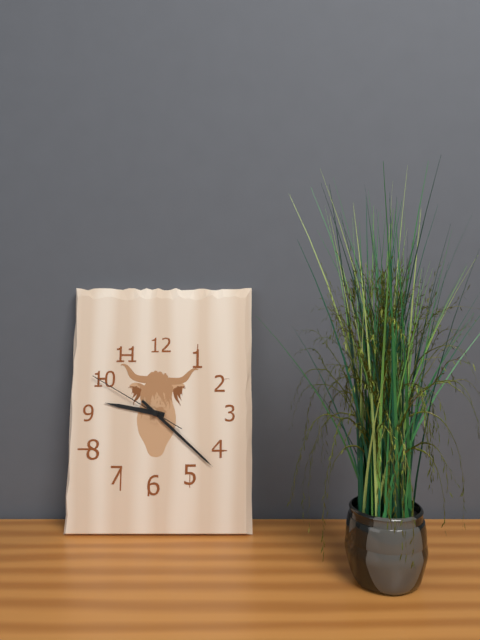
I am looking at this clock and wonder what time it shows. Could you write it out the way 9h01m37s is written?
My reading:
9h22m50s
